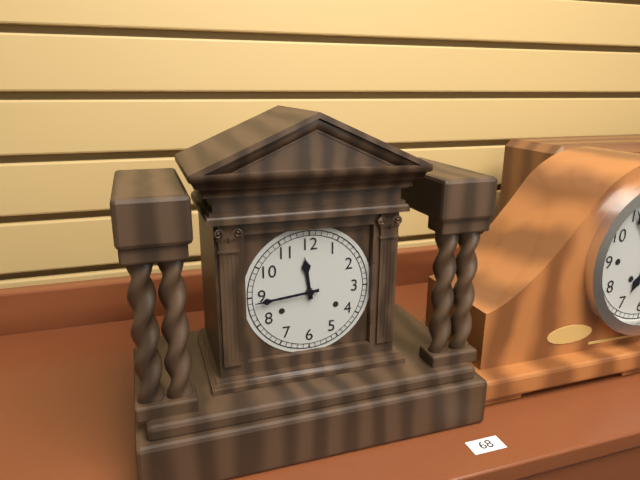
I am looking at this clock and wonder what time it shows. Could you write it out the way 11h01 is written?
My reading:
11h44
